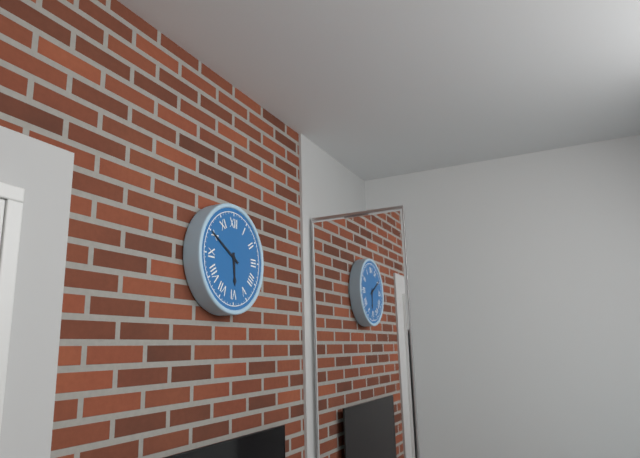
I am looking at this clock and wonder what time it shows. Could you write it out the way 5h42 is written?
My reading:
5h50
